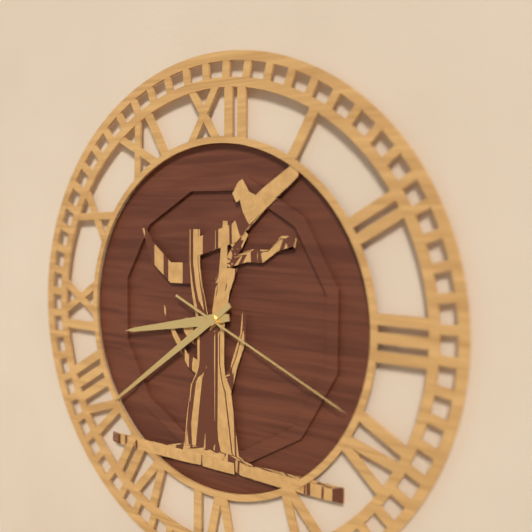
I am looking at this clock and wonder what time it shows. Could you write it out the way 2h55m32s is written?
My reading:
8h39m19s
